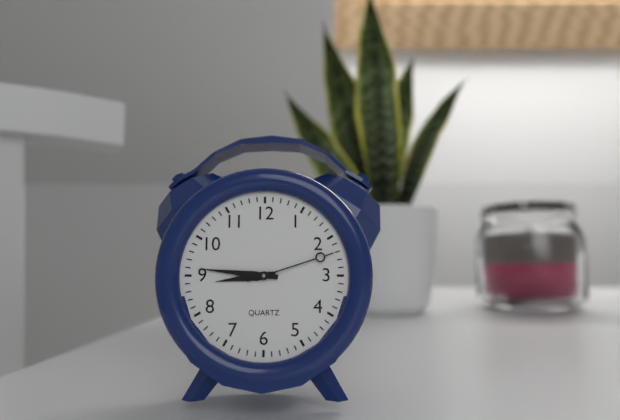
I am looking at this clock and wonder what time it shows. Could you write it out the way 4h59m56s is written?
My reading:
8h46m12s
